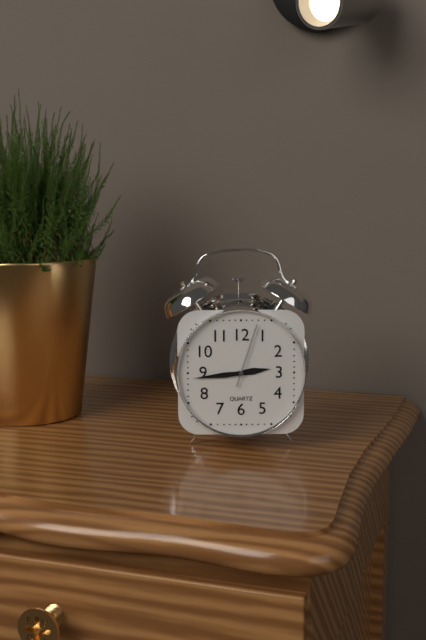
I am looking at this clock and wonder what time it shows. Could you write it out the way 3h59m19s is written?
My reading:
2h44m03s
